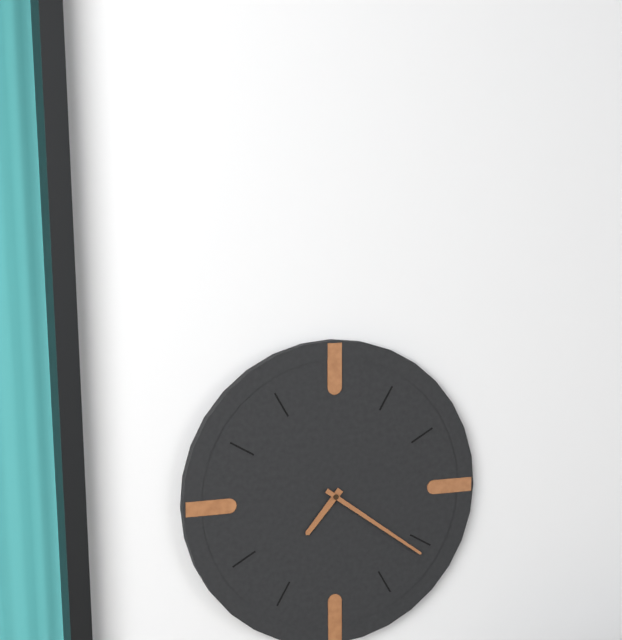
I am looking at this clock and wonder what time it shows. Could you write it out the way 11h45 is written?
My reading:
7h21
